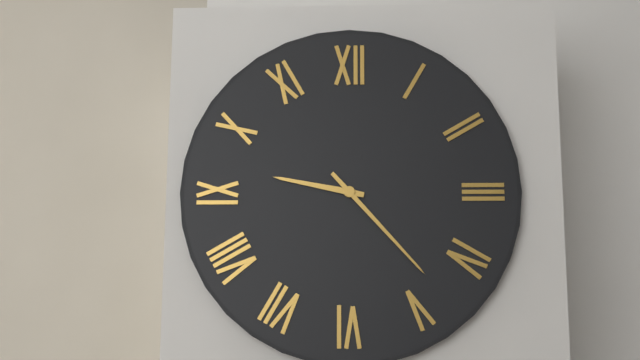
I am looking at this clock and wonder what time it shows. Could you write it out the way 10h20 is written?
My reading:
9h23
